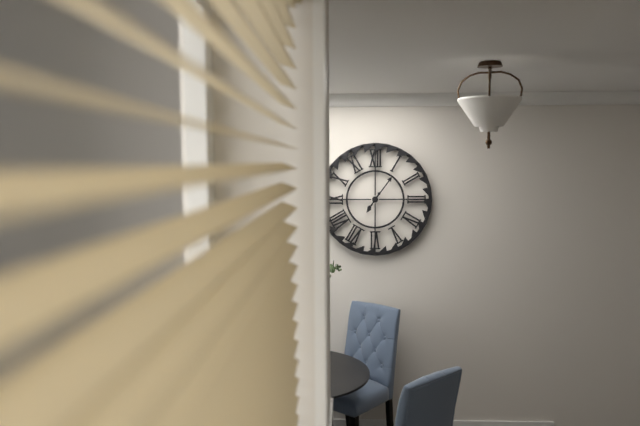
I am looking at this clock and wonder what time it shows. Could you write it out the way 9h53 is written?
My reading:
7h06
